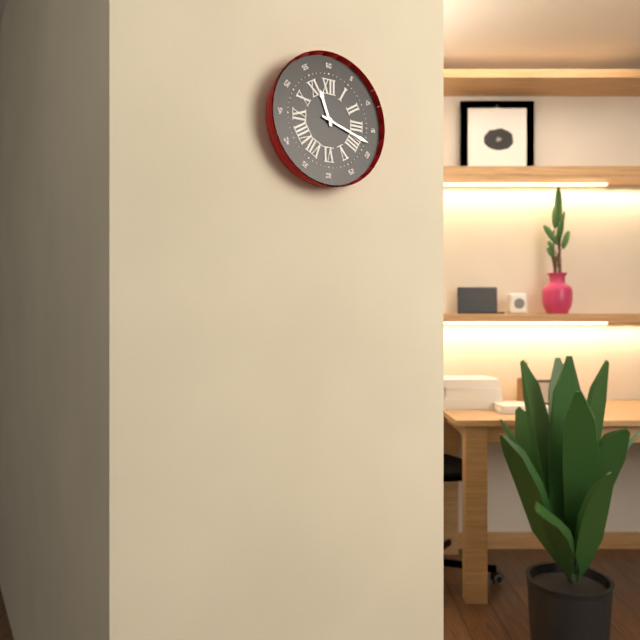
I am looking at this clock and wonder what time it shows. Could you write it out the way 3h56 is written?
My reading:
11h18
